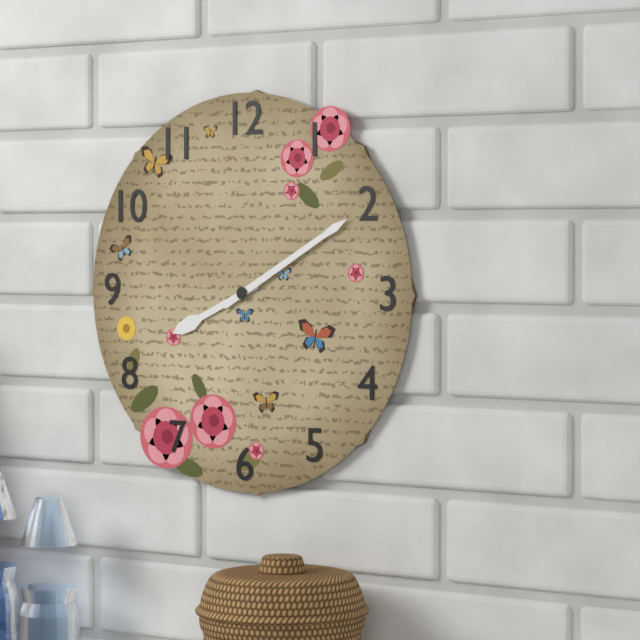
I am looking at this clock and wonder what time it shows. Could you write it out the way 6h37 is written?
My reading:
8h10
